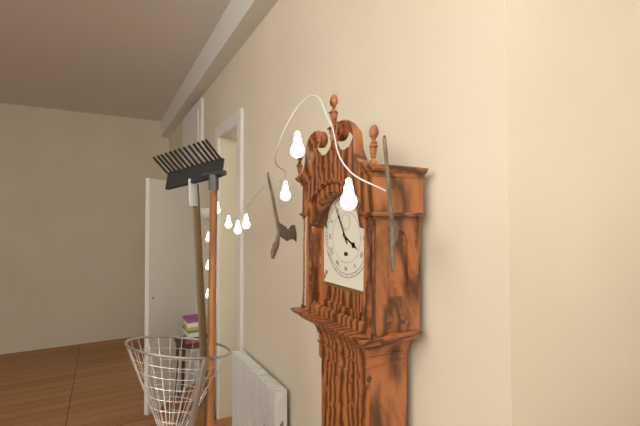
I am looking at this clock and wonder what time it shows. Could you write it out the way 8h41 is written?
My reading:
3h55
